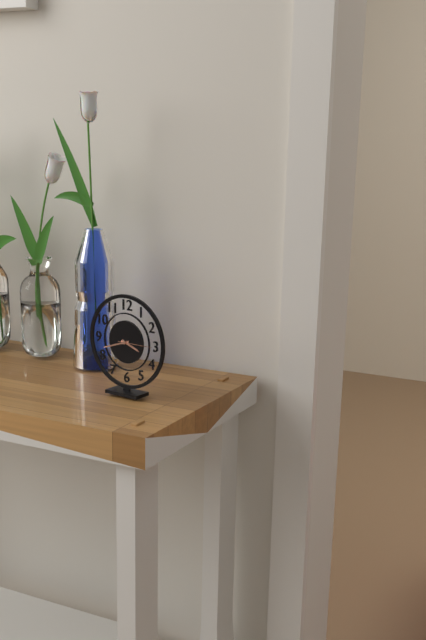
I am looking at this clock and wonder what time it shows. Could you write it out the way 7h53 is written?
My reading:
3h42
